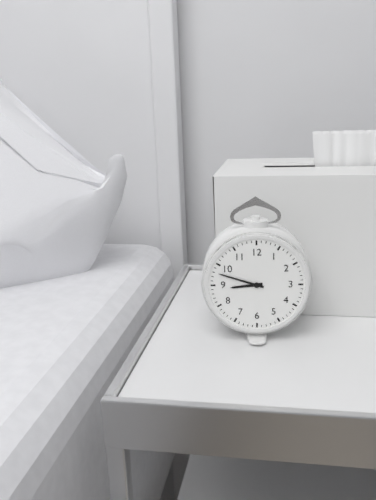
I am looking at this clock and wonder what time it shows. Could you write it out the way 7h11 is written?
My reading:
8h48
